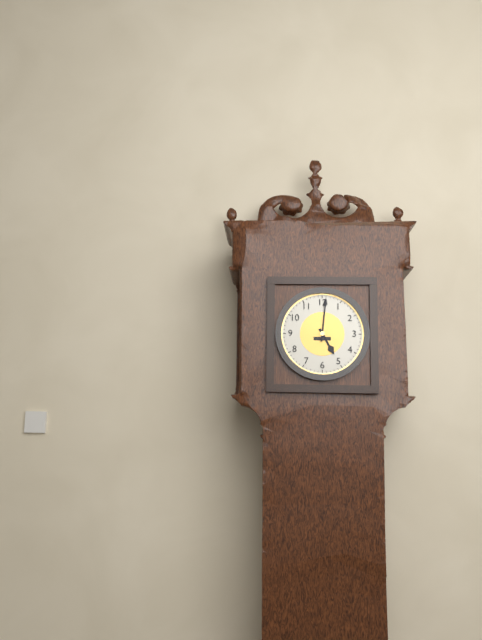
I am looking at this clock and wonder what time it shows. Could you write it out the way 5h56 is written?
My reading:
5h01
